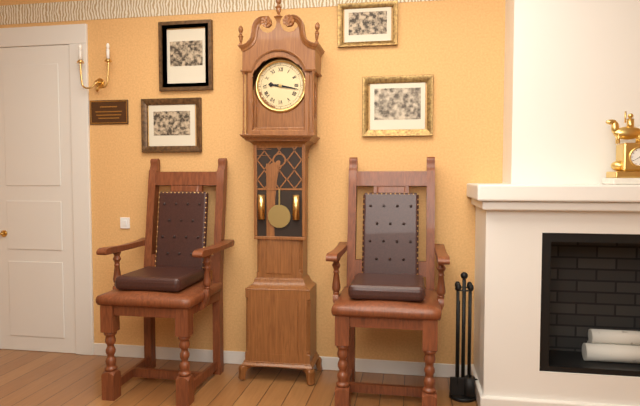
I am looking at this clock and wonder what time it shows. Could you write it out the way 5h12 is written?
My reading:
9h17
